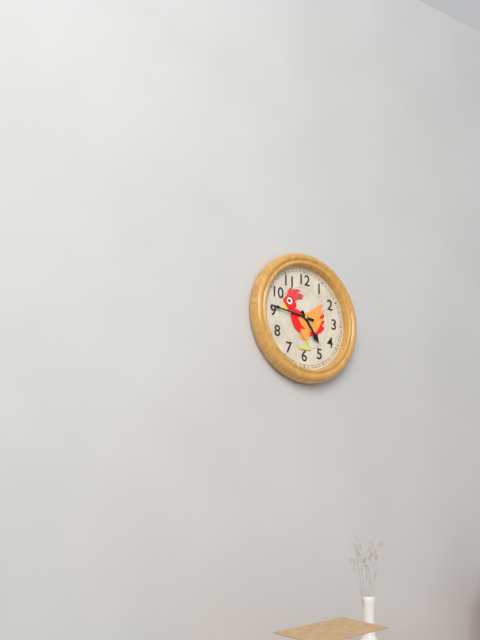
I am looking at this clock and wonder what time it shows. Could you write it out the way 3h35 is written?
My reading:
4h46
